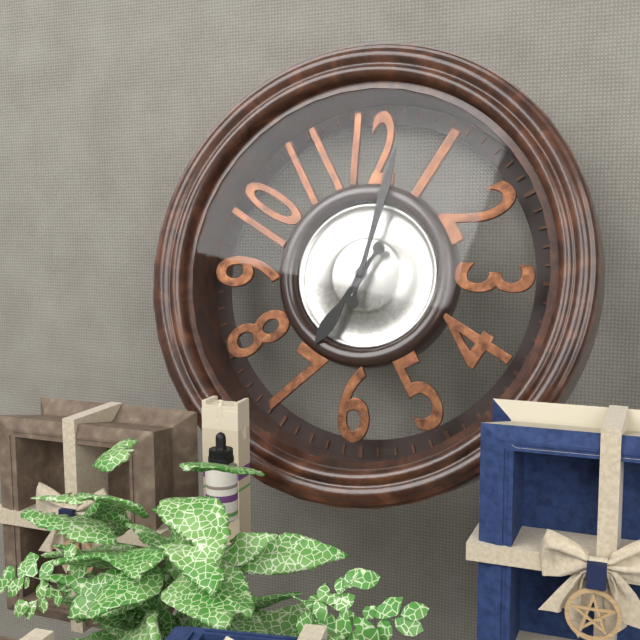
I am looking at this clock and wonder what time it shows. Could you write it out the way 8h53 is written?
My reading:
7h02
